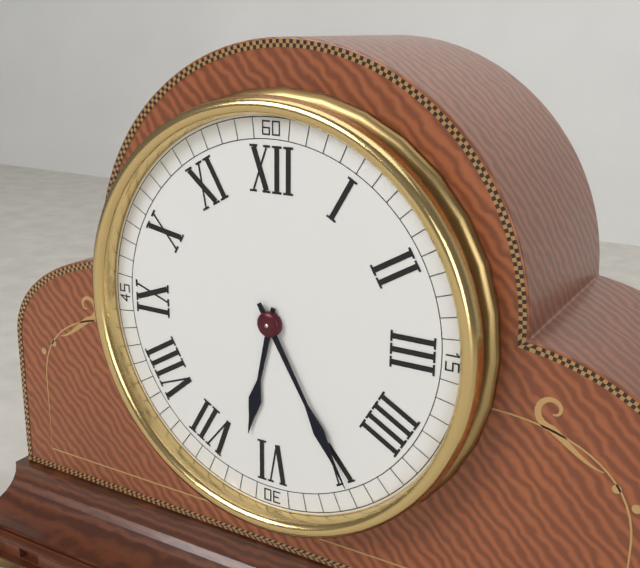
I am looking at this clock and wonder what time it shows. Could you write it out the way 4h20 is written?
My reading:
6h25
